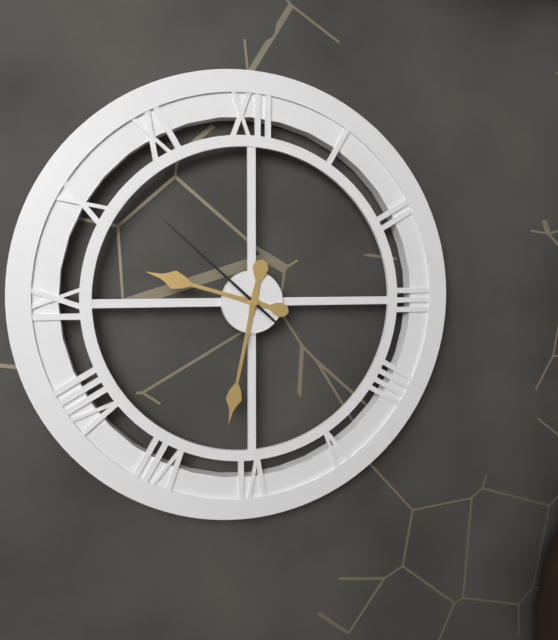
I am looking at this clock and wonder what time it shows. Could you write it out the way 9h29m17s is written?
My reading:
9h32m52s
